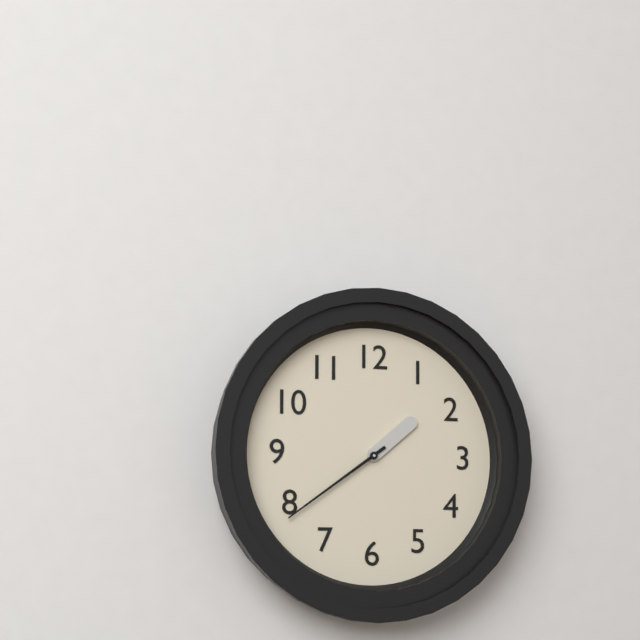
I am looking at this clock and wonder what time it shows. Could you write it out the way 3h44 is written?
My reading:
1h39
